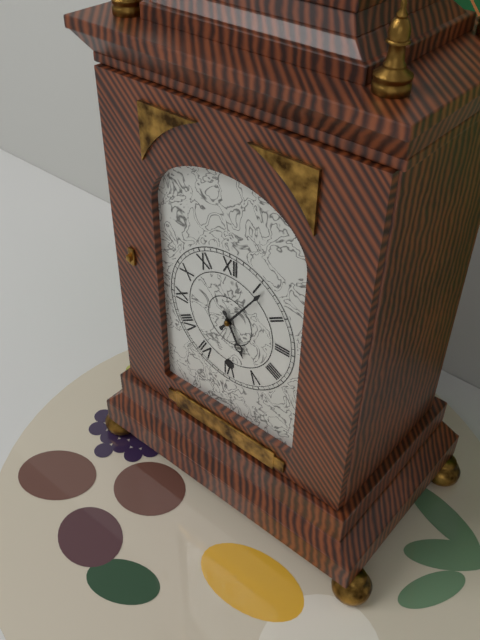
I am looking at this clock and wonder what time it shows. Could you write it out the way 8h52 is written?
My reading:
5h06
